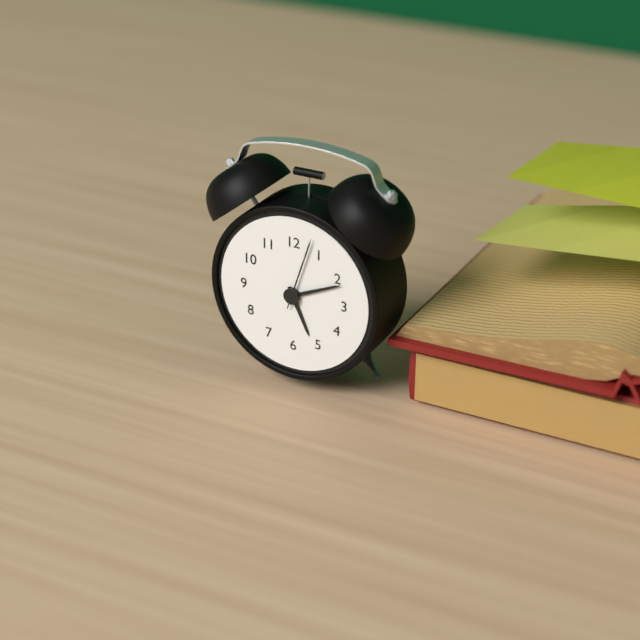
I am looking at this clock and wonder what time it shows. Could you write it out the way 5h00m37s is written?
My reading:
5h11m03s
